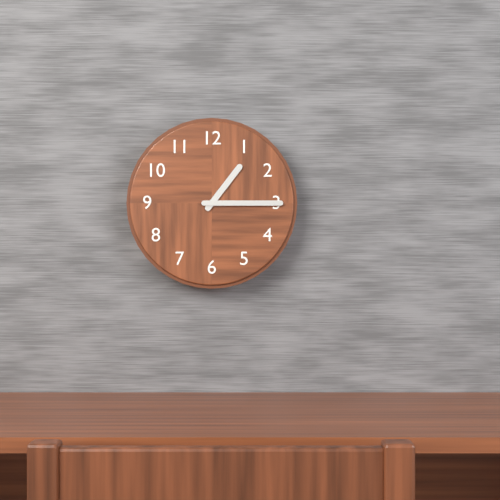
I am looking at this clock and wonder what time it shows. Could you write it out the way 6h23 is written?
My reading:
1h15
